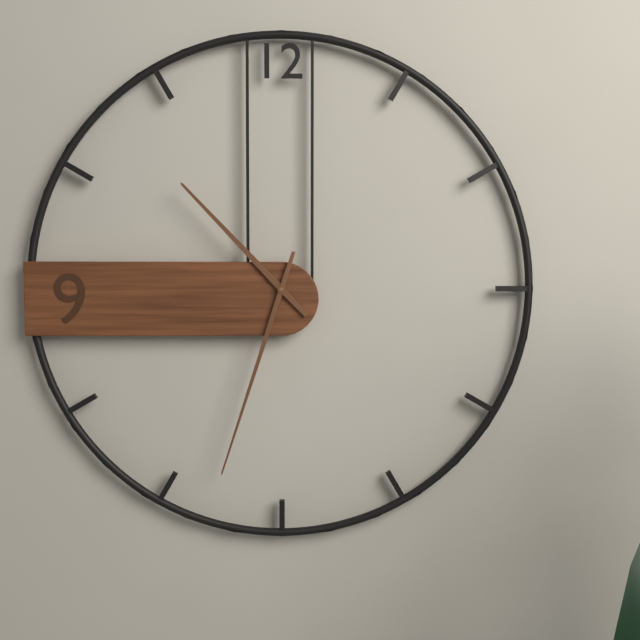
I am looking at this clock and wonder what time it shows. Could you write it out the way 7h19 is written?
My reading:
10h33
